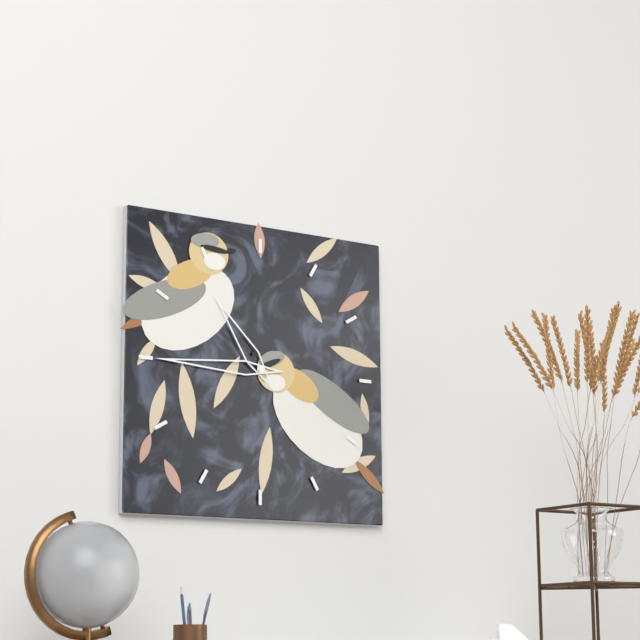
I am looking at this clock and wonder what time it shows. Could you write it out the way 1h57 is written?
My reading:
10h45
